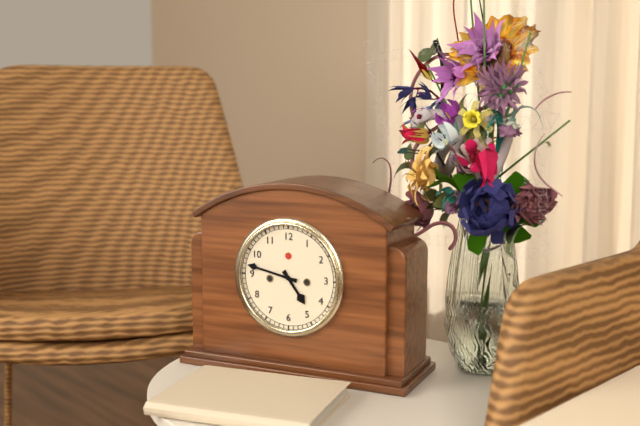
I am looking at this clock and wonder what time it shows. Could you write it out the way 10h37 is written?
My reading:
4h47
